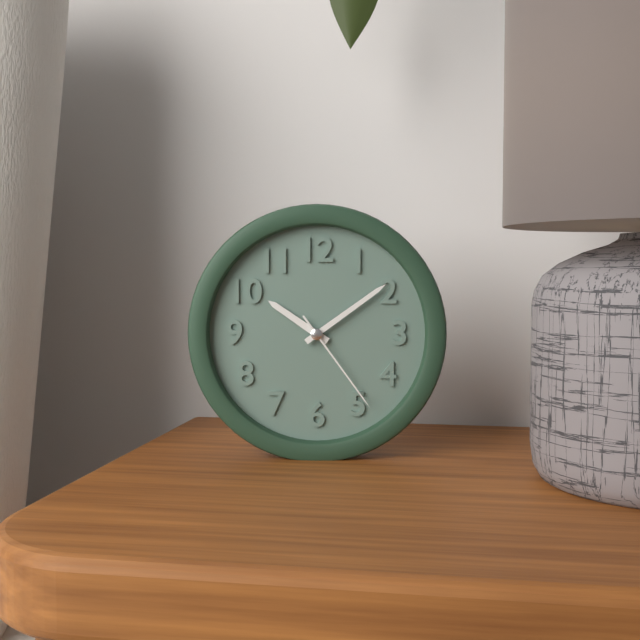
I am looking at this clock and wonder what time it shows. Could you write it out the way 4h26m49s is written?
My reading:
10h09m24s
